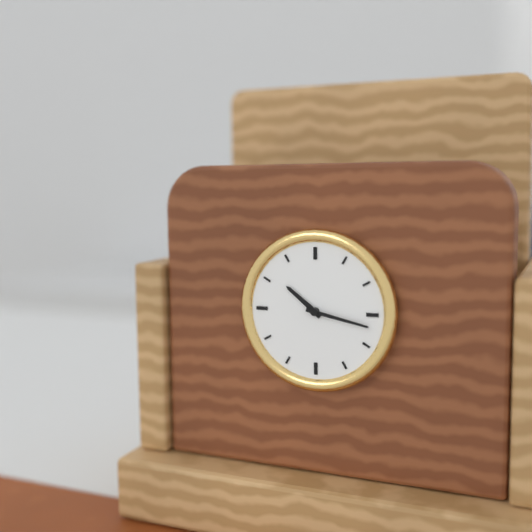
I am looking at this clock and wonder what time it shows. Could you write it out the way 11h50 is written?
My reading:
10h17
